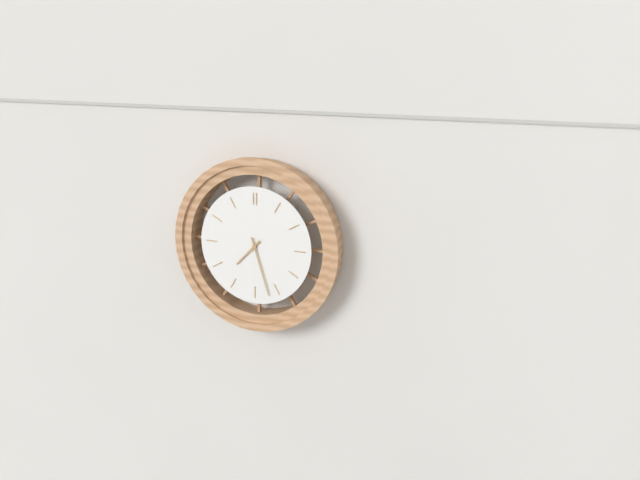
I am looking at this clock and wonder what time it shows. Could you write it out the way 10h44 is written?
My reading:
7h27
